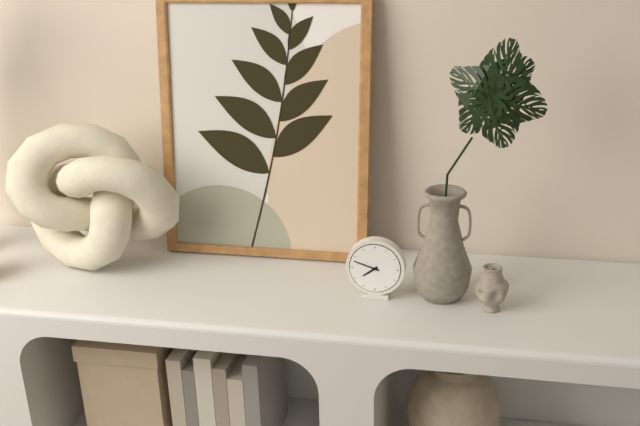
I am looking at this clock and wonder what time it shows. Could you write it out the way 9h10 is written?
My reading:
7h48
